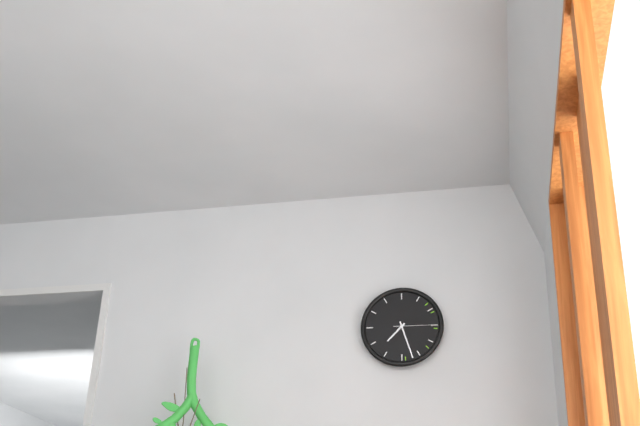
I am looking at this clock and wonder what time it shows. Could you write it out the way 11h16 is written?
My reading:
7h27
